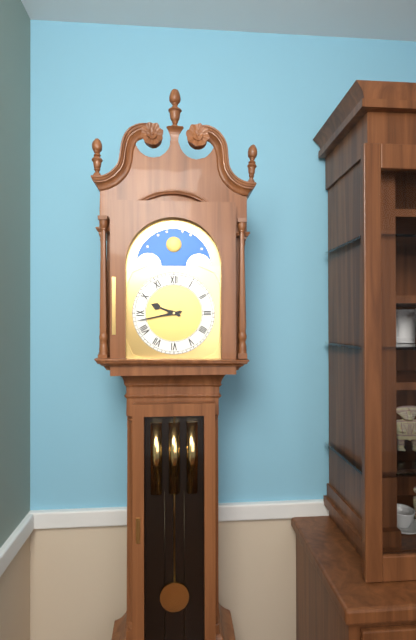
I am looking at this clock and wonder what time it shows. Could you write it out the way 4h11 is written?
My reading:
9h43
